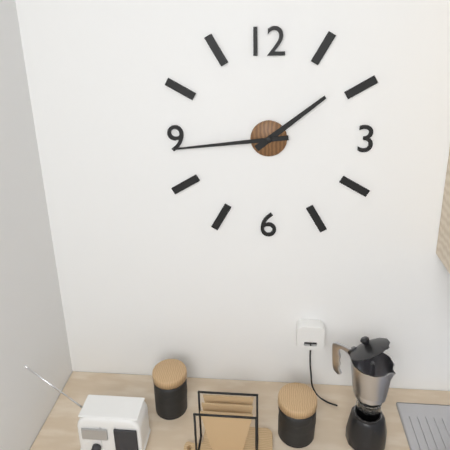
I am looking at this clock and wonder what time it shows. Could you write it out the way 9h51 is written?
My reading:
1h44
